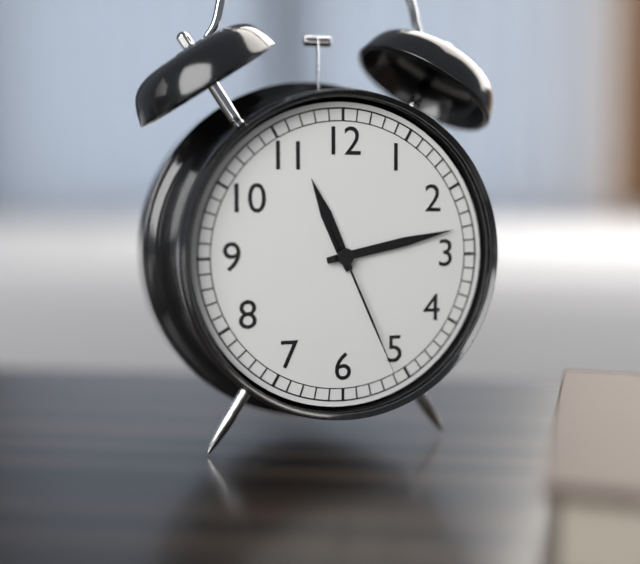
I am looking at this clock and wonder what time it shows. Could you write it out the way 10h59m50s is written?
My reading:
11h13m26s
